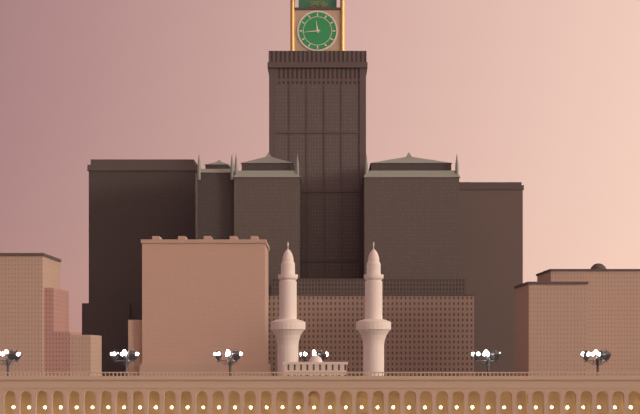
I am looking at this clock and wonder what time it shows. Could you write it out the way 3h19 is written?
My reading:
11h44
